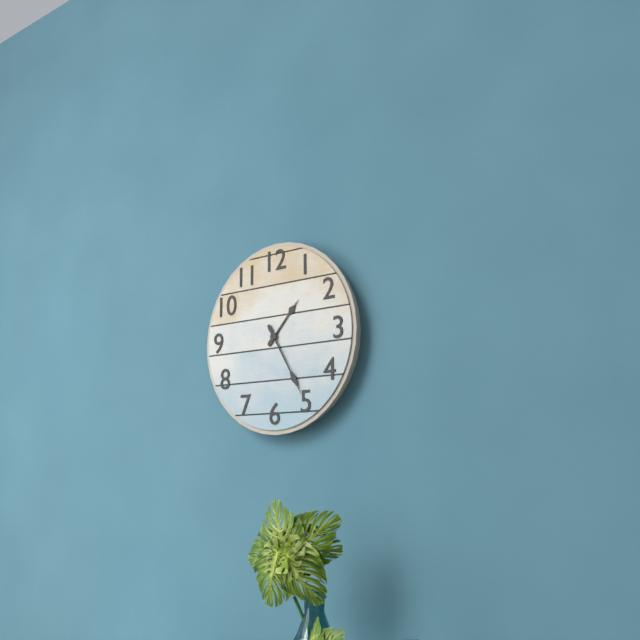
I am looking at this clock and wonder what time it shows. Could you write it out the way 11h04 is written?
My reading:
1h25
